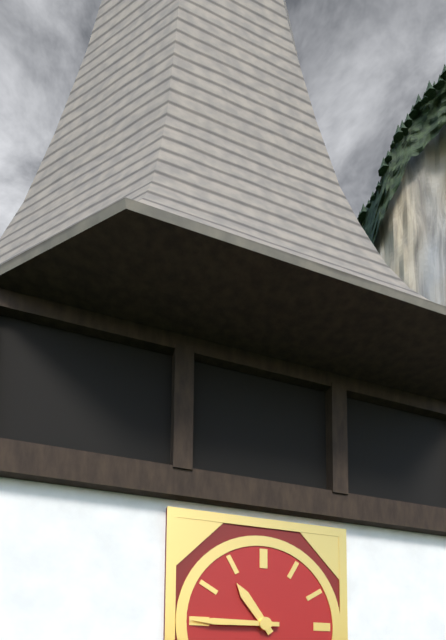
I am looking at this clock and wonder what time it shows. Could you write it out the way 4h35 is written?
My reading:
10h45
